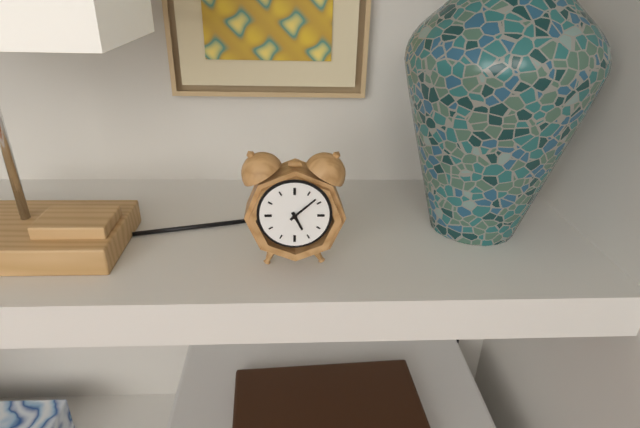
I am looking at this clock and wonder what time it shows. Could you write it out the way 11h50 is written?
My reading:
5h08
